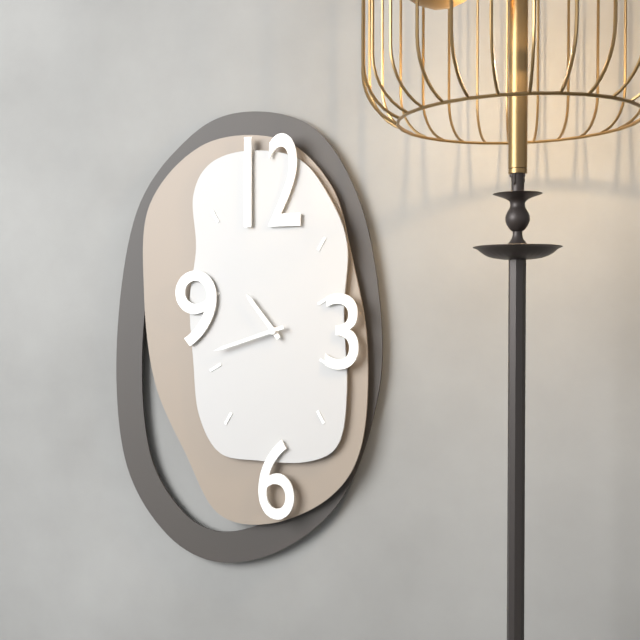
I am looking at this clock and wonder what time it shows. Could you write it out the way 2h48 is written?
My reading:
10h42
